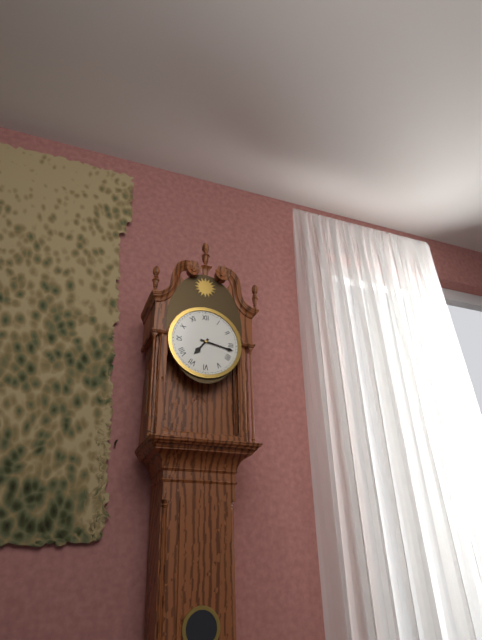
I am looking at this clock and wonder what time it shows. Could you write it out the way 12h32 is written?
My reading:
7h17
